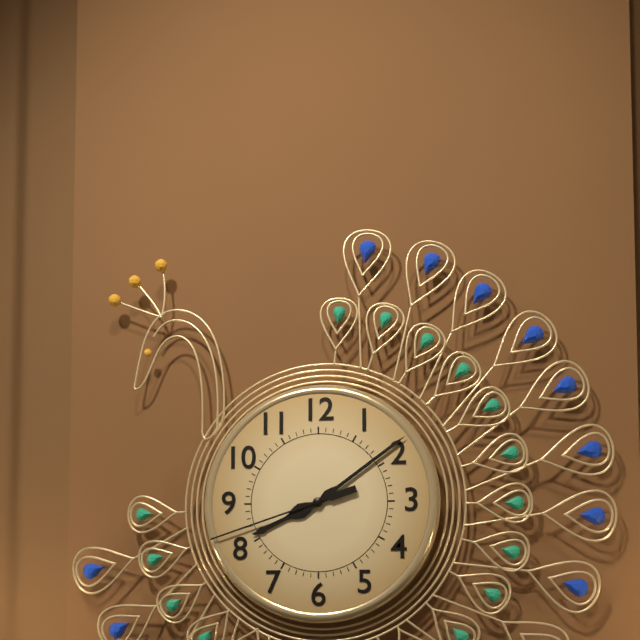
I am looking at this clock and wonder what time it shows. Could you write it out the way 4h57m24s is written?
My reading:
8h09m42s
